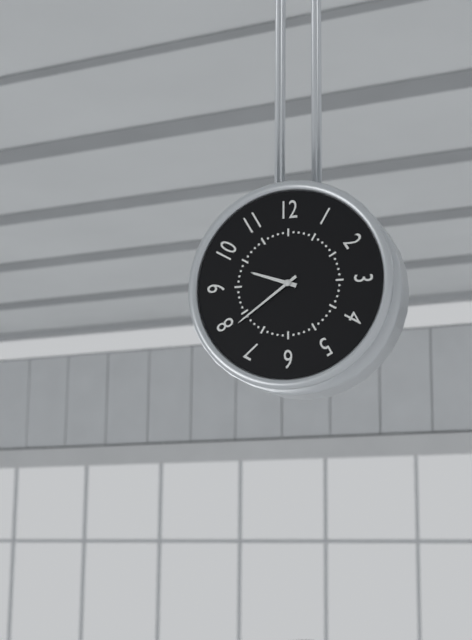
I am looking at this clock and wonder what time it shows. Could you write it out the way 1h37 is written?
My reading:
9h39
